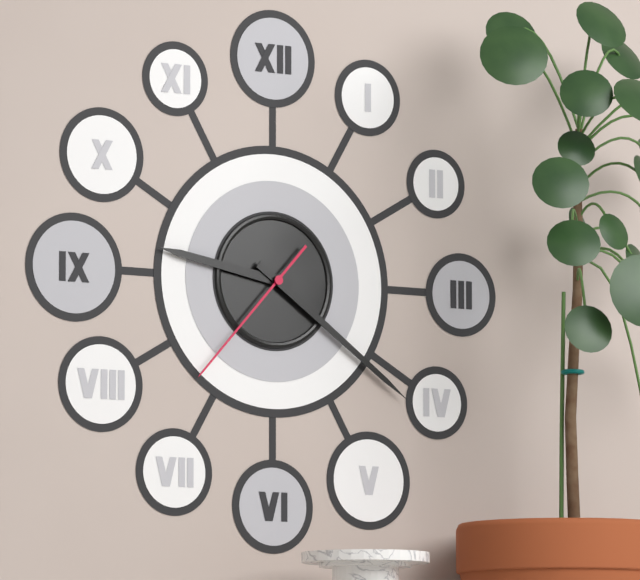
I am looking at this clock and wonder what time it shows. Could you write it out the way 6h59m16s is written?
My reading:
9h21m37s
